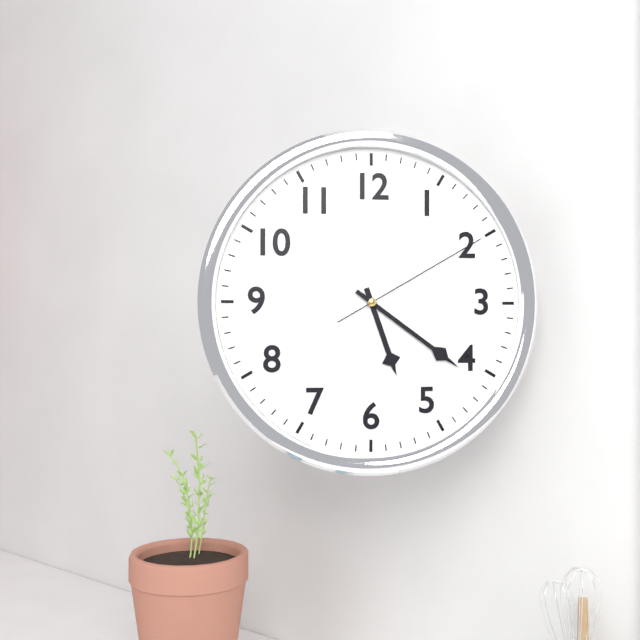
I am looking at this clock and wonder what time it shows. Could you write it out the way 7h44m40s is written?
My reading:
5h21m10s
